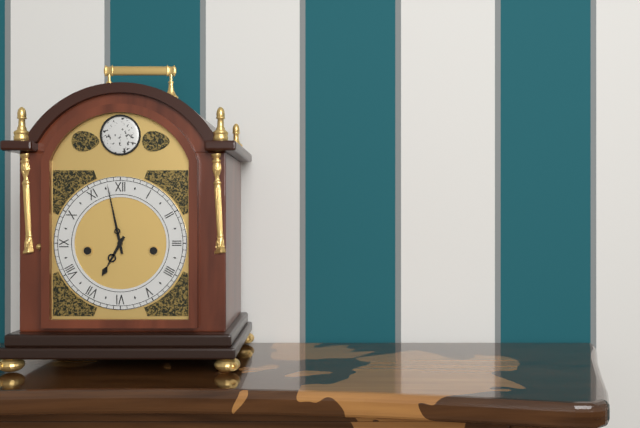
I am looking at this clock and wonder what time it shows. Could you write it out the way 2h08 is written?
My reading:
6h58
